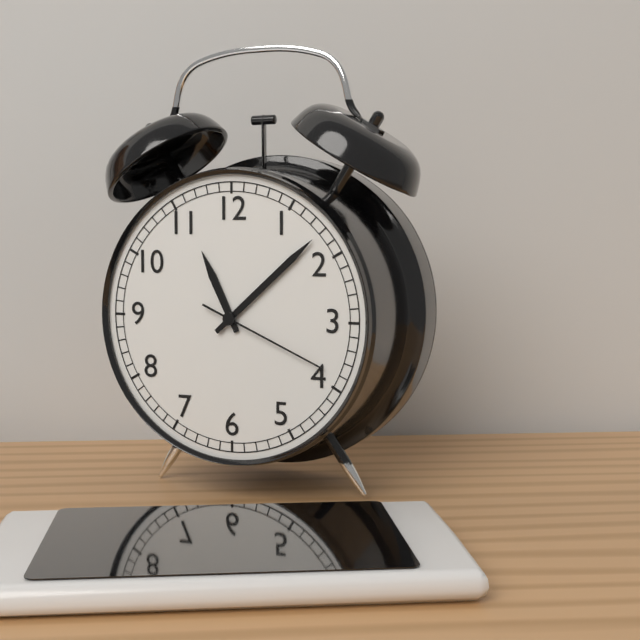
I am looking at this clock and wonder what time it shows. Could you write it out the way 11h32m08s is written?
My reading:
11h08m19s
